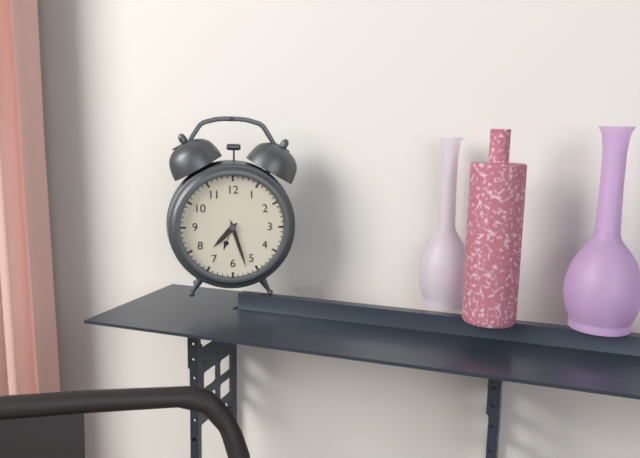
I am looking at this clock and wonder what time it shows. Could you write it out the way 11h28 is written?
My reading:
7h27
